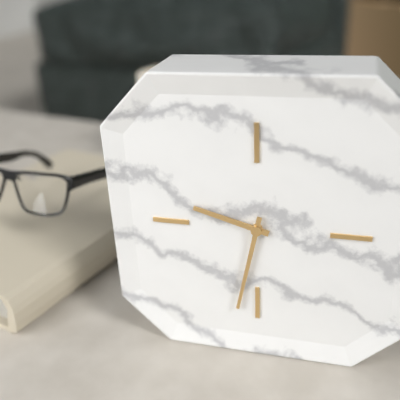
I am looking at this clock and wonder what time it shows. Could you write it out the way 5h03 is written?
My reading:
9h32
